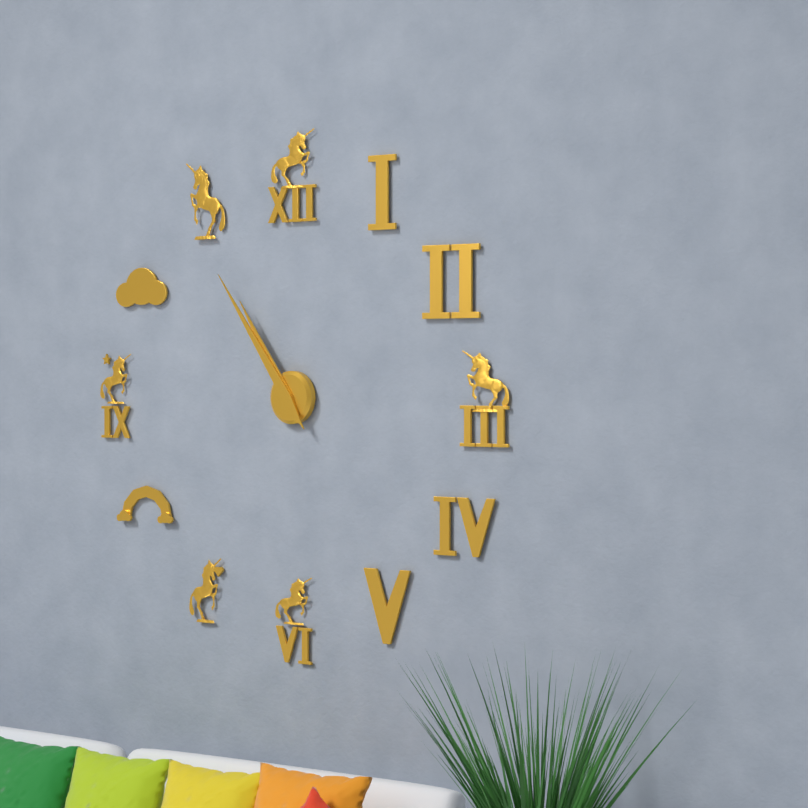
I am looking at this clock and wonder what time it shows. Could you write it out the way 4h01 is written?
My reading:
10h54
